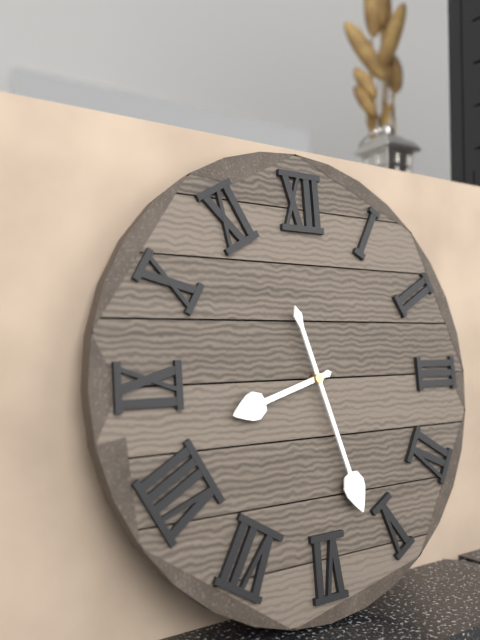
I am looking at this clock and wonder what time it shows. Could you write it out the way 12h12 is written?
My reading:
8h27
